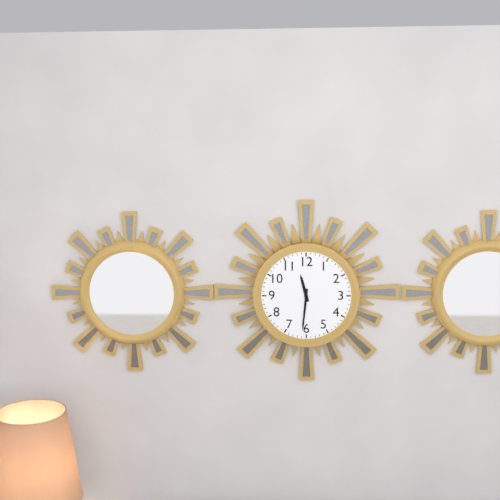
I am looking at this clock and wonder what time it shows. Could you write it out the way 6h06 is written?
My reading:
11h31
